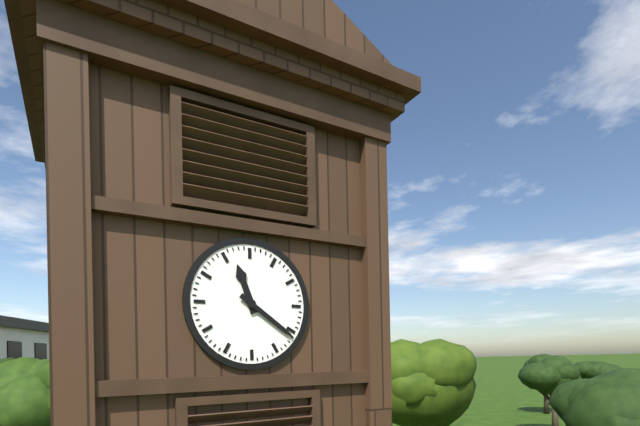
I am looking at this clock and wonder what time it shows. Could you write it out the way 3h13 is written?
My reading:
11h21
